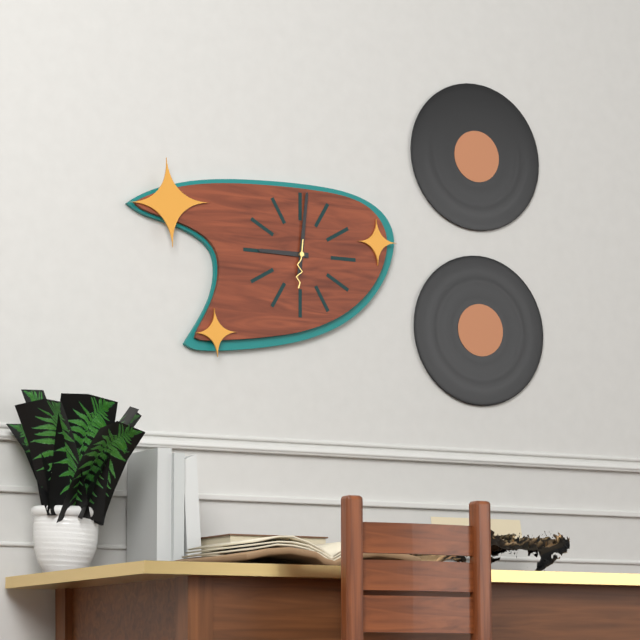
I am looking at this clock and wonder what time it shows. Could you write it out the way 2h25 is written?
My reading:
9h01
